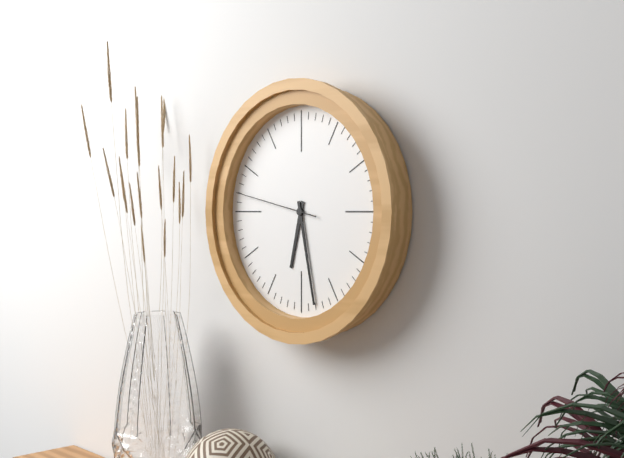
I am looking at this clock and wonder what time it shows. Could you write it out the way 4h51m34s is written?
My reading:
6h28m47s
